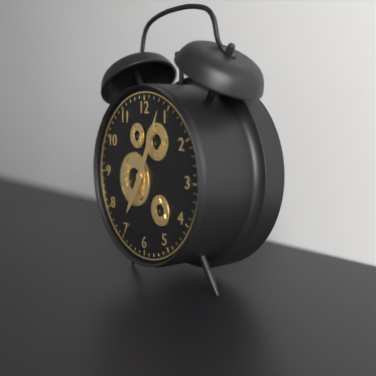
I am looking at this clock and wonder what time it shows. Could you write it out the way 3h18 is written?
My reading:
7h04
